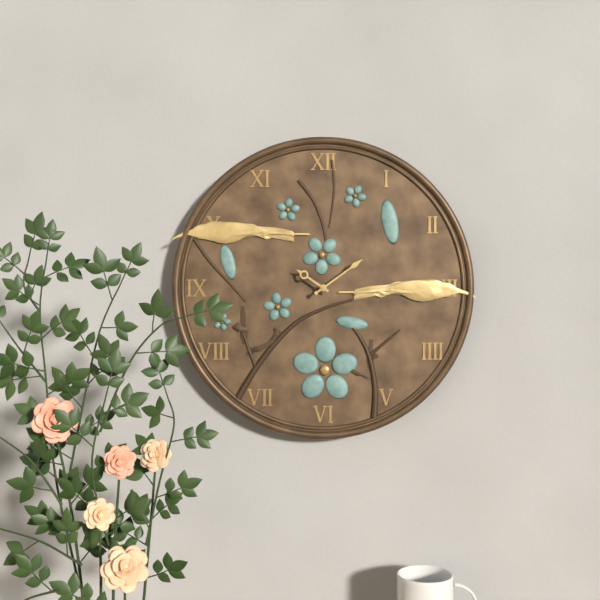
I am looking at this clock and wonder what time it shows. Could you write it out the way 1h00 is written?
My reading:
10h09
